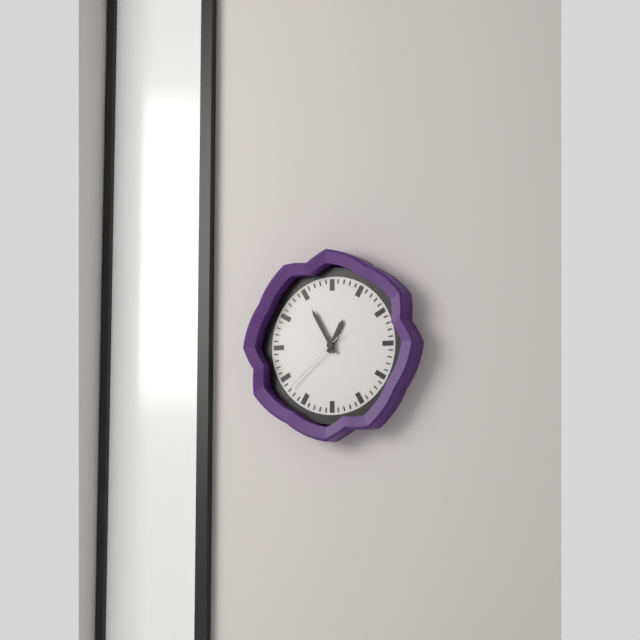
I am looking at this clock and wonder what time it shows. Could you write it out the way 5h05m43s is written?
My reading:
12h55m38s
